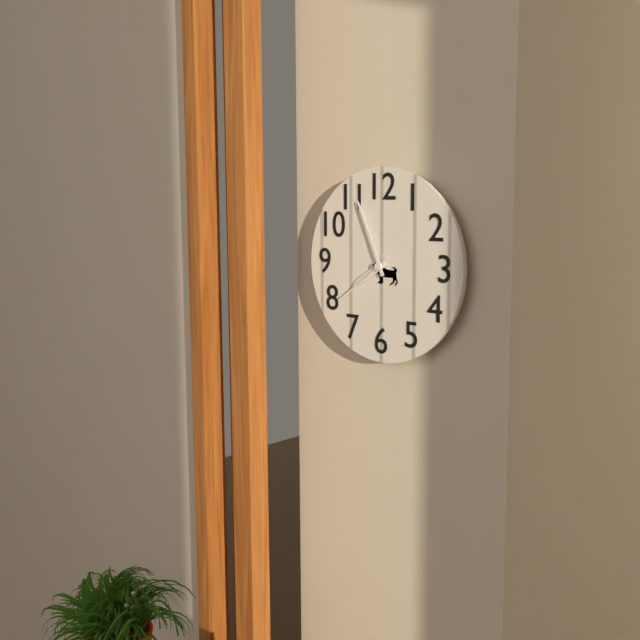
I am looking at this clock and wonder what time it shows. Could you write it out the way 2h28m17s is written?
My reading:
7h56m39s
